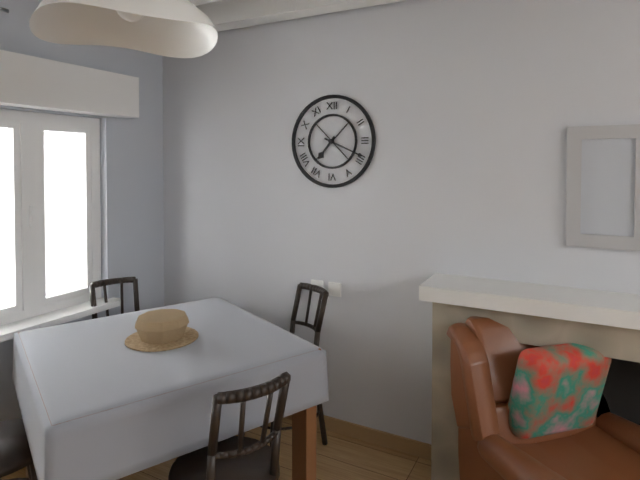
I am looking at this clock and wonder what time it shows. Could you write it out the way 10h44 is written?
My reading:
7h19
